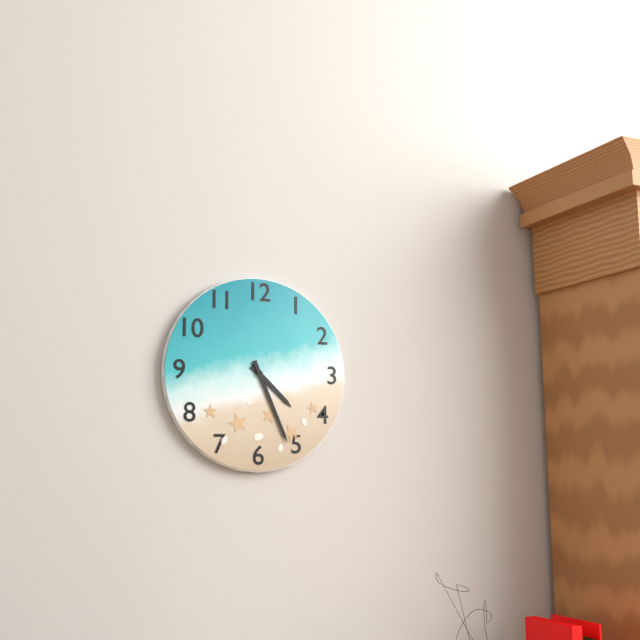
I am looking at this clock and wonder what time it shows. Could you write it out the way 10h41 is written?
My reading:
4h26
